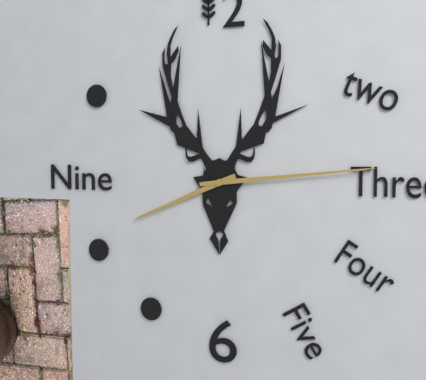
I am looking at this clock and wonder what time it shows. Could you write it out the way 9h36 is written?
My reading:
8h14
